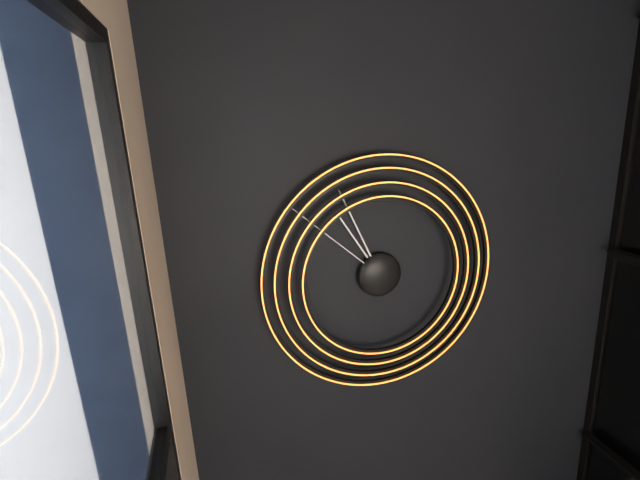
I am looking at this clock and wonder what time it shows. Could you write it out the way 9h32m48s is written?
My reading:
10h56m52s
